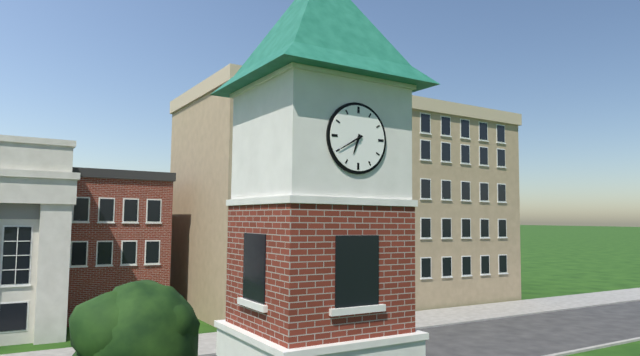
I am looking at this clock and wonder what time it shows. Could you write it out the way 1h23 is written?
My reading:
6h40
